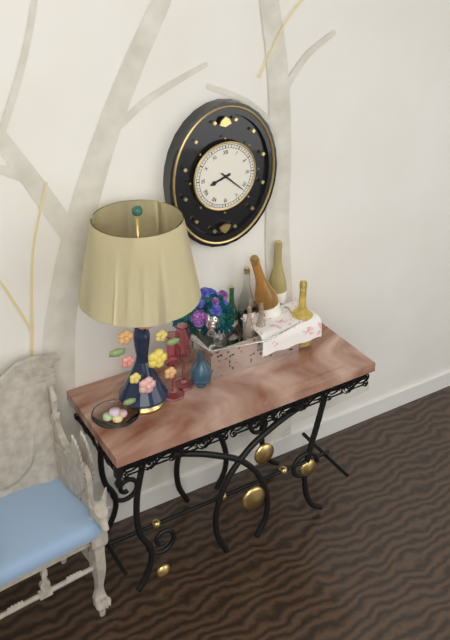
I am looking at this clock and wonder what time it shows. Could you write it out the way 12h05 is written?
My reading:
8h22
